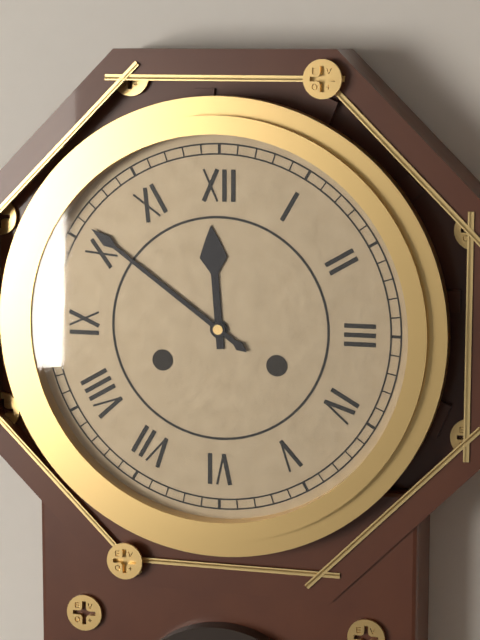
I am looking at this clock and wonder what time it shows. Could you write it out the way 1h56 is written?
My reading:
11h51
